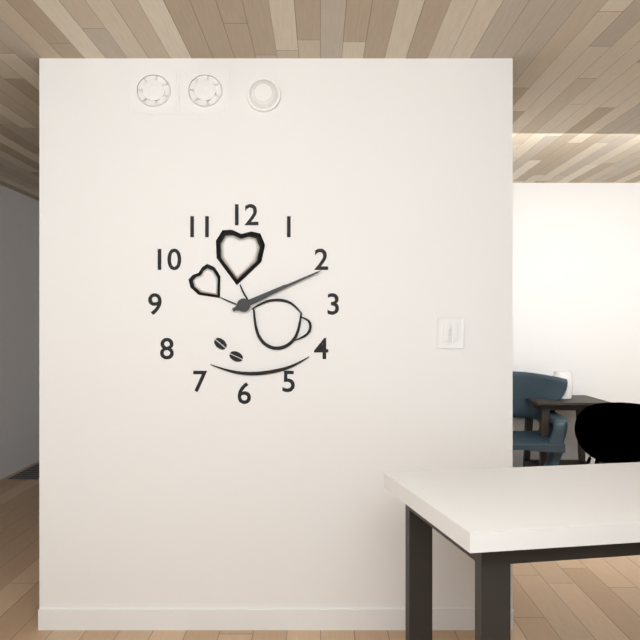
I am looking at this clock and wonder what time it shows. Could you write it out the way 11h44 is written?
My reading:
2h11
